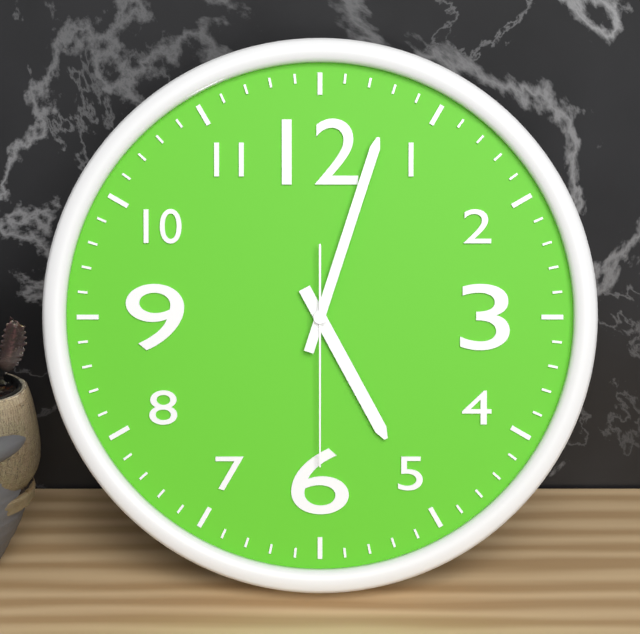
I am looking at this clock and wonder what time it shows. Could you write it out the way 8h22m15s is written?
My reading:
5h03m30s
